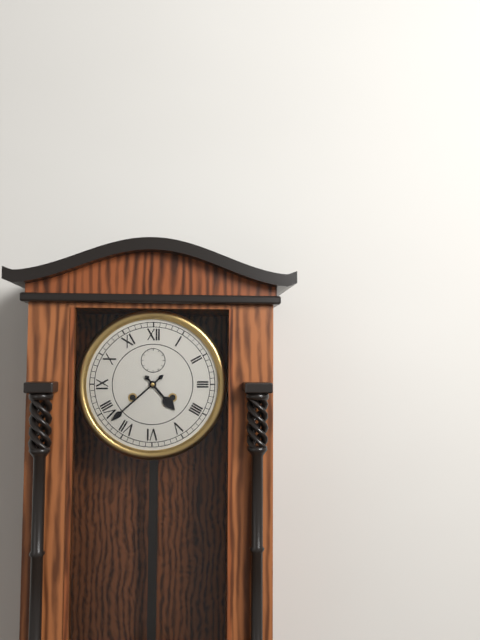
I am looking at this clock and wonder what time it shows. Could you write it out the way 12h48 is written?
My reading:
4h38
